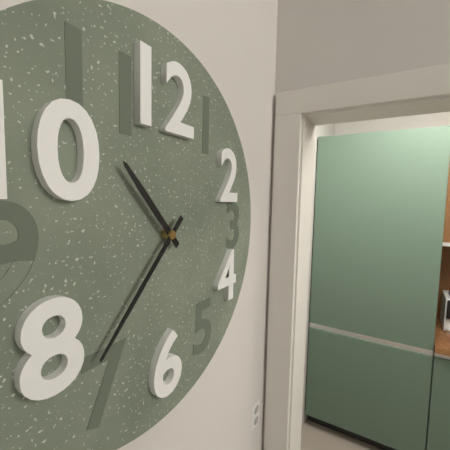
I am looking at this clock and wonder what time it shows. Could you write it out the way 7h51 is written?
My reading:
10h37
